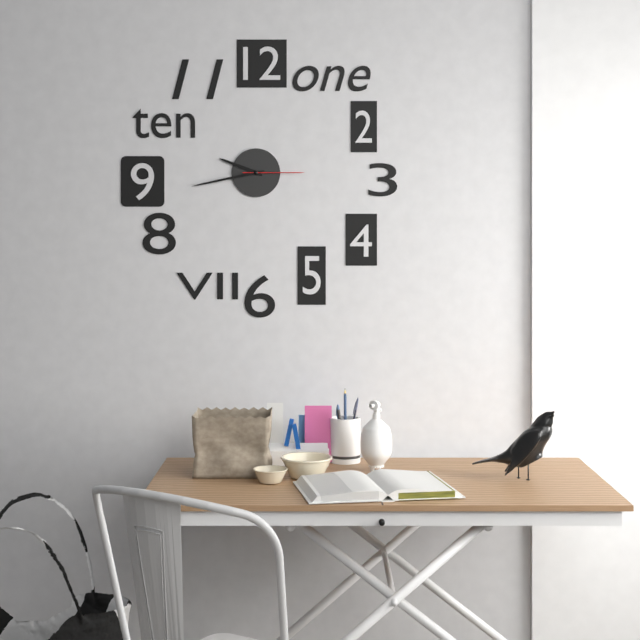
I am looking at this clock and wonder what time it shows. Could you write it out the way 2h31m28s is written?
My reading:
9h43m15s
